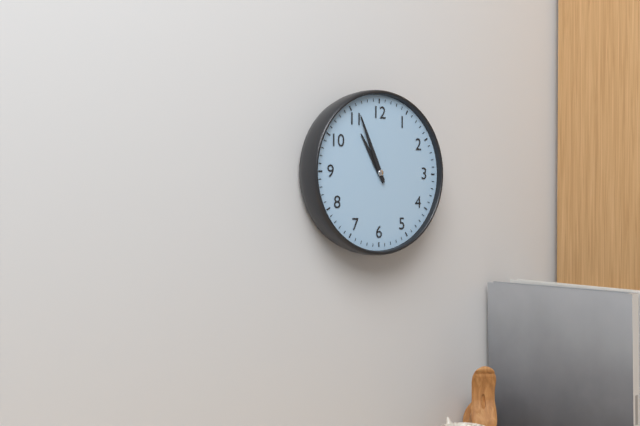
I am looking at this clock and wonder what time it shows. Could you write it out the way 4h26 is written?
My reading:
10h56
